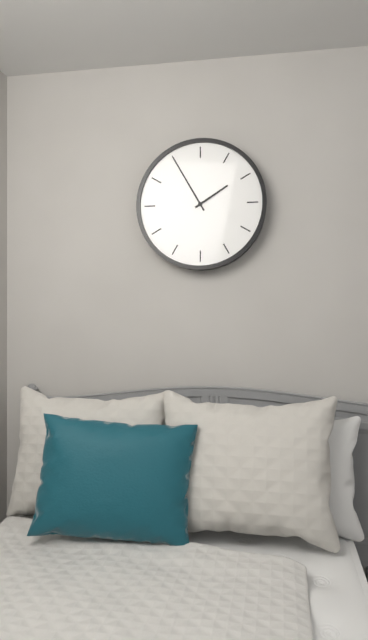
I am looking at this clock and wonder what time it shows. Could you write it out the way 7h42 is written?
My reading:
1h55
